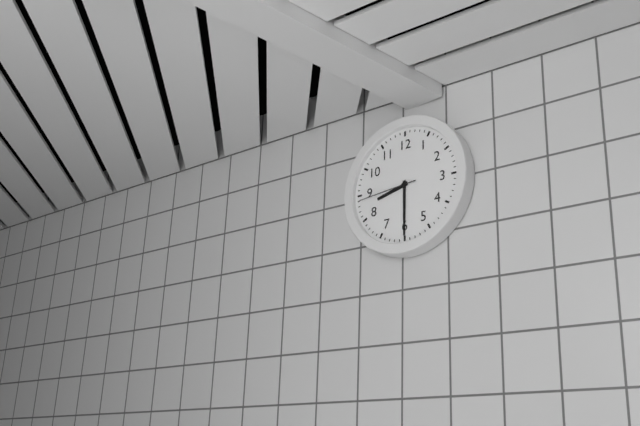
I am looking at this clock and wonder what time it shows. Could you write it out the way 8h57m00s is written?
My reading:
8h30m44s
